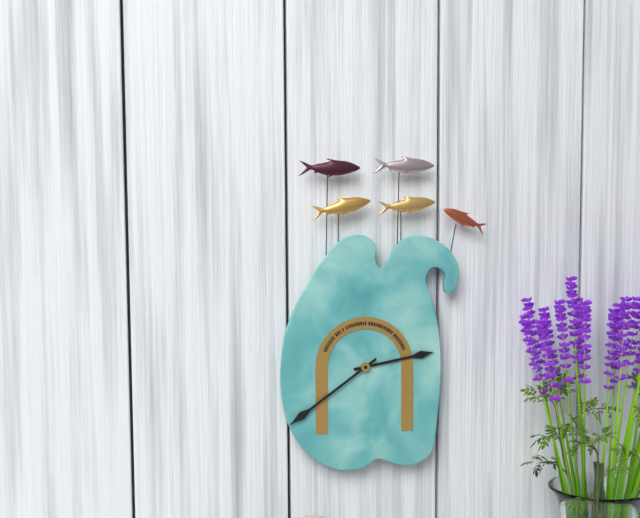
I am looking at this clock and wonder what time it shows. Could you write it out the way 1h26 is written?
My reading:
2h39
